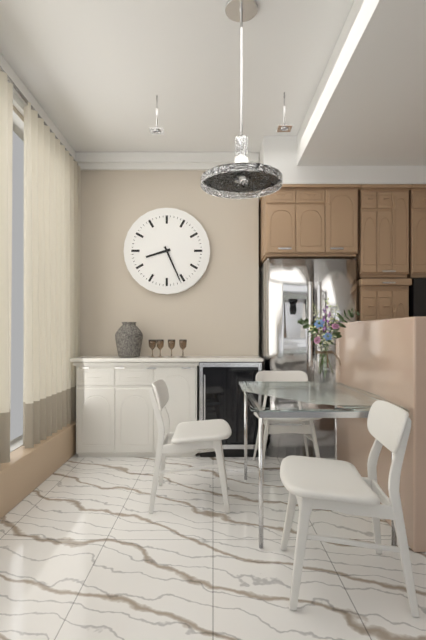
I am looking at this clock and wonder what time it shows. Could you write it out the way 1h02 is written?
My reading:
8h26
